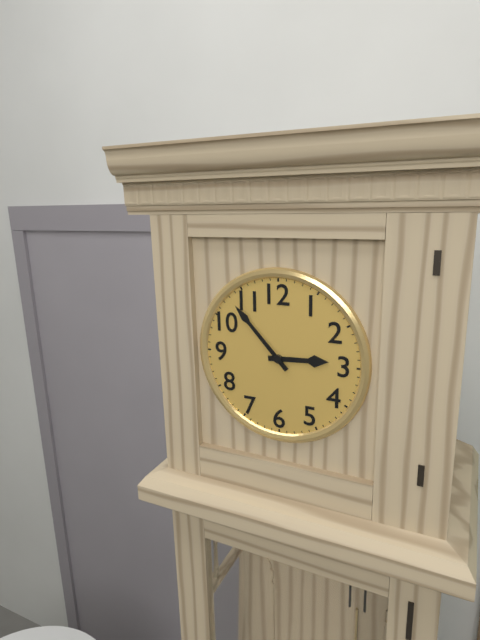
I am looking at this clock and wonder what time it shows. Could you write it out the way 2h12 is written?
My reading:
2h53
